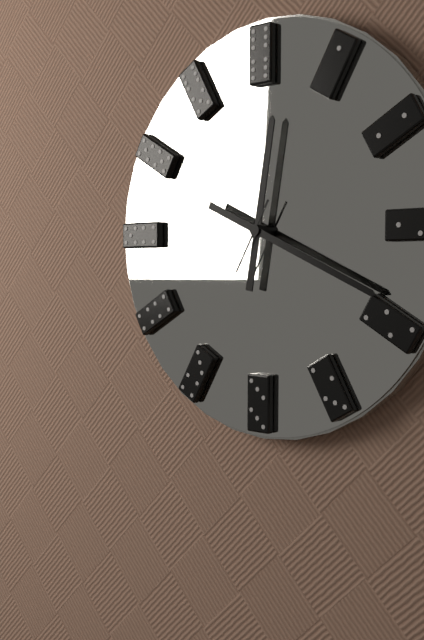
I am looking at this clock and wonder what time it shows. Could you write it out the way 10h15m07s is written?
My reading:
12h19m35s
